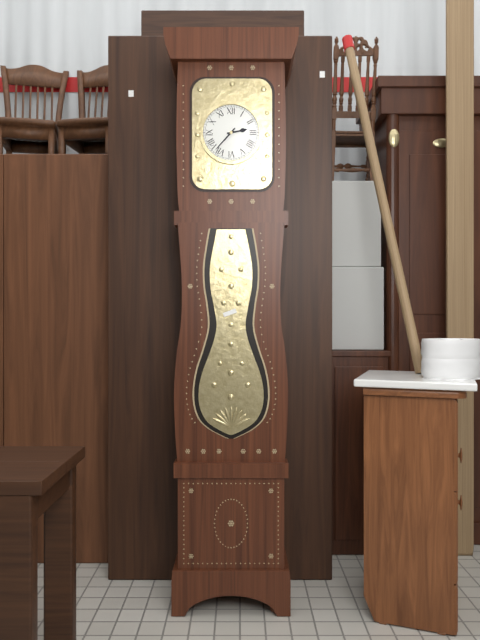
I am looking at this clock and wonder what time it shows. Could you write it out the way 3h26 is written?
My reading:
2h37
